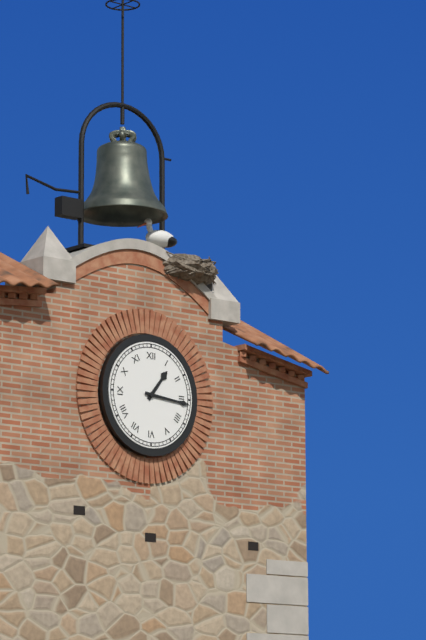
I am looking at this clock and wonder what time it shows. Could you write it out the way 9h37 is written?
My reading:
1h16
